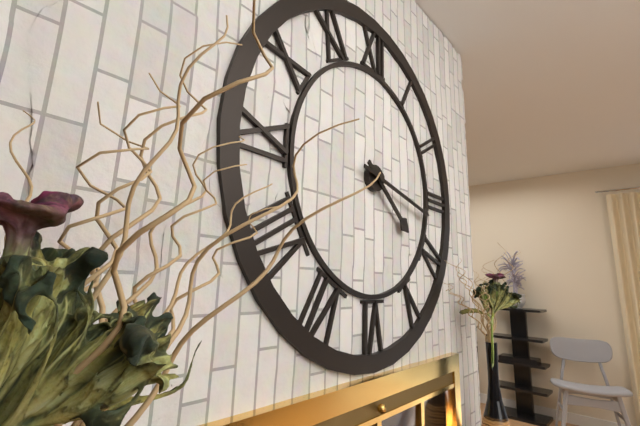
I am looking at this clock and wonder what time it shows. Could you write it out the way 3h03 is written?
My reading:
4h17
